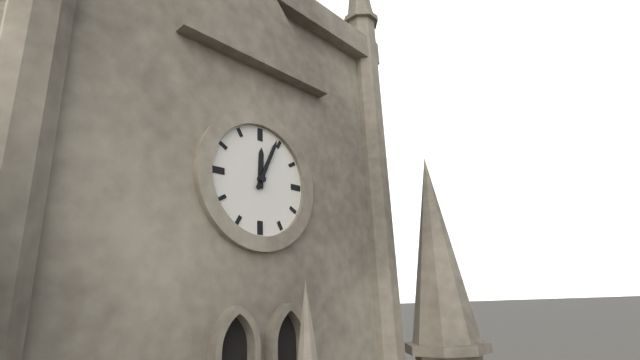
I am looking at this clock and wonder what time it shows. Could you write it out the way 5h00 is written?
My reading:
12h04
